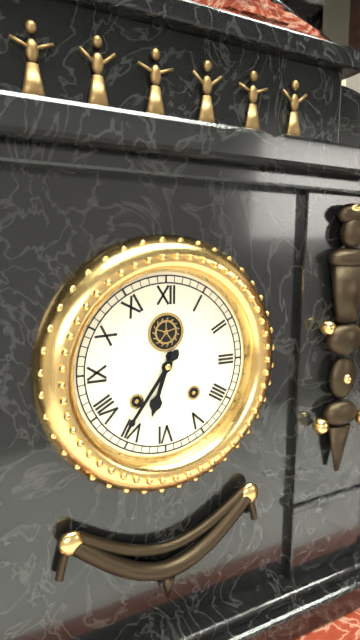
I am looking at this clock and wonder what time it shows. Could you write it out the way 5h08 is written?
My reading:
6h36
